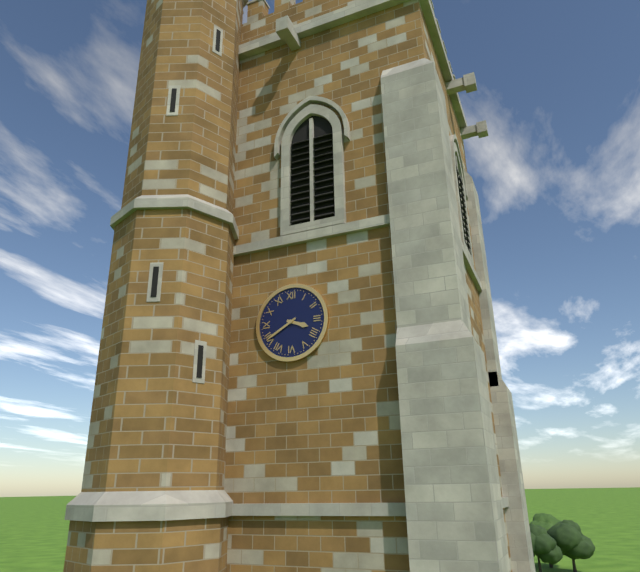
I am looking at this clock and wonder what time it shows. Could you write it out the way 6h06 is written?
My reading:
3h40
